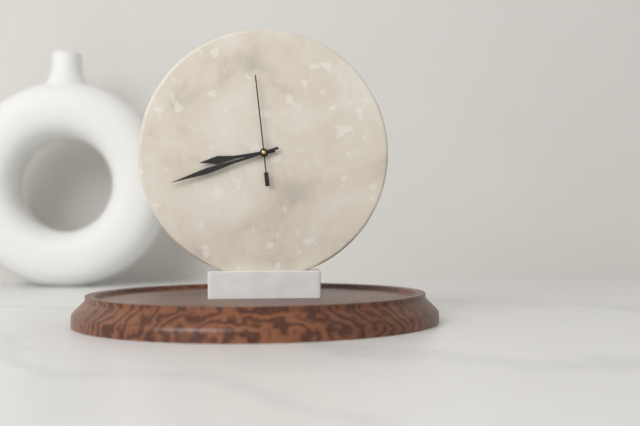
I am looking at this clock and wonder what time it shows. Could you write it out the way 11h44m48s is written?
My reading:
8h42m59s
